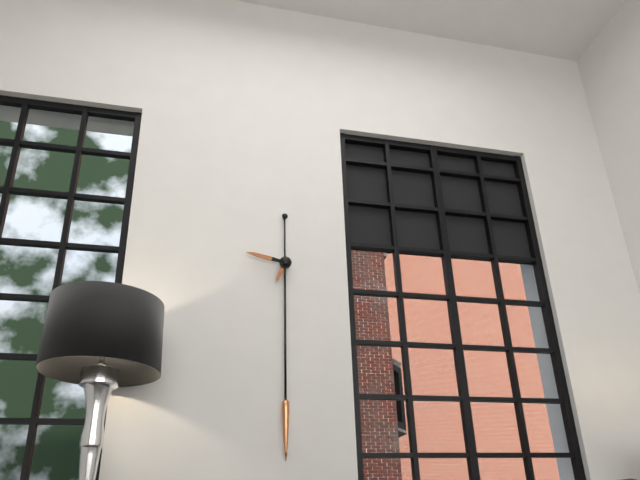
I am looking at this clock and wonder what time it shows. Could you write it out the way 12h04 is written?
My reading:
6h47
